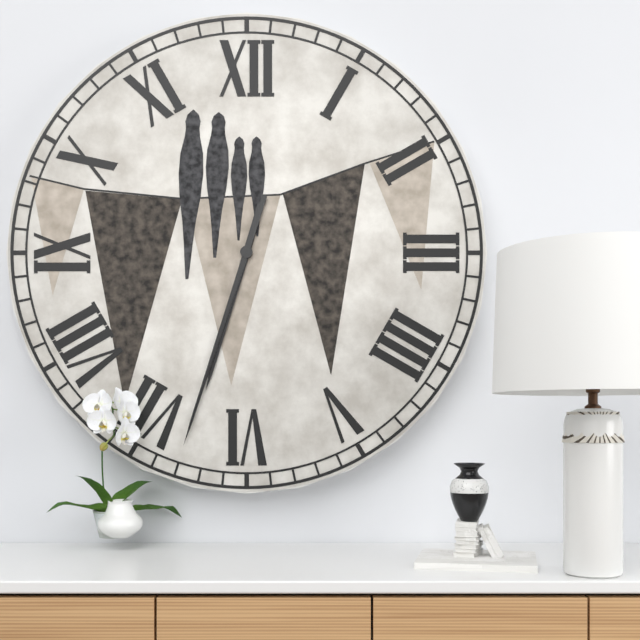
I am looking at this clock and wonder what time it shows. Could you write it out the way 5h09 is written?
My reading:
6h33
